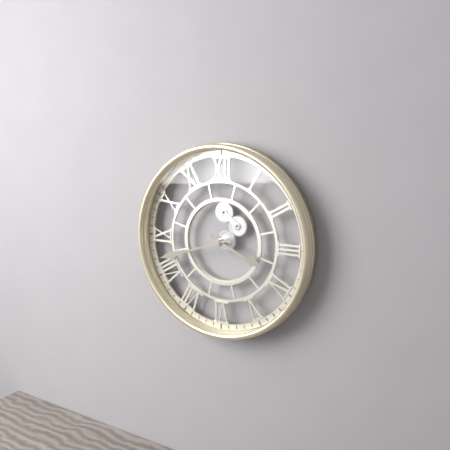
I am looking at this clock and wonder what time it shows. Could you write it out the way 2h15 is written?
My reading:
3h42
